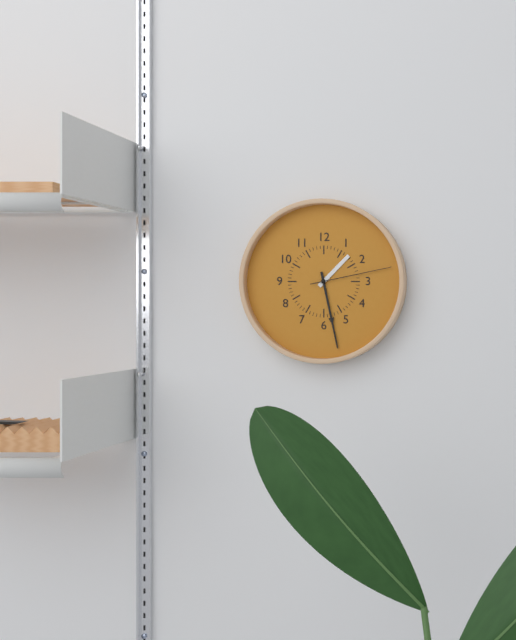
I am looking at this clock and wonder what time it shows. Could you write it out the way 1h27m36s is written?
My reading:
1h28m13s
